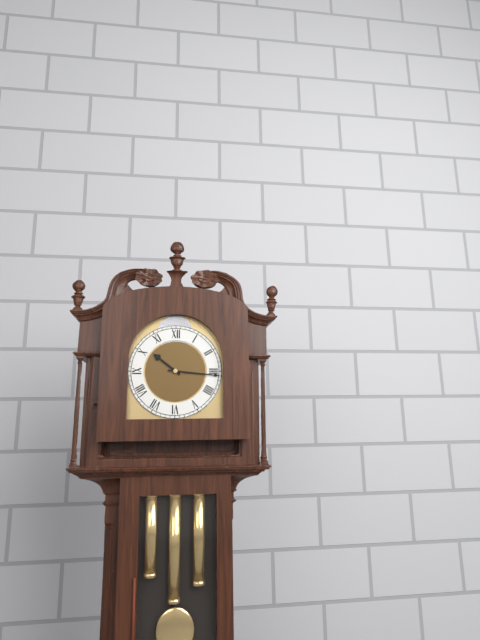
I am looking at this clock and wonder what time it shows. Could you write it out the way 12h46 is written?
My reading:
10h16
